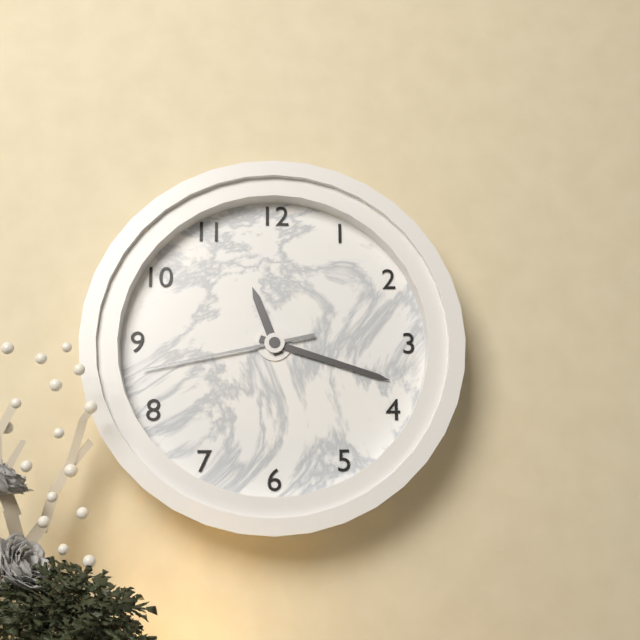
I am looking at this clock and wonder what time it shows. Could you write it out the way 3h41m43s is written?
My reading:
11h18m43s
